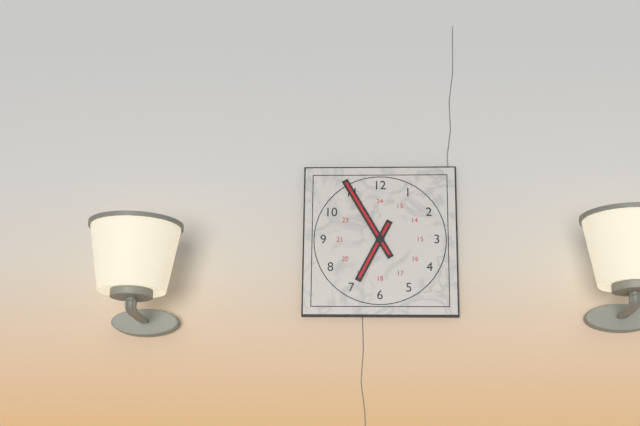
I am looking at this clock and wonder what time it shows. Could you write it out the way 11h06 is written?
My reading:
6h55
